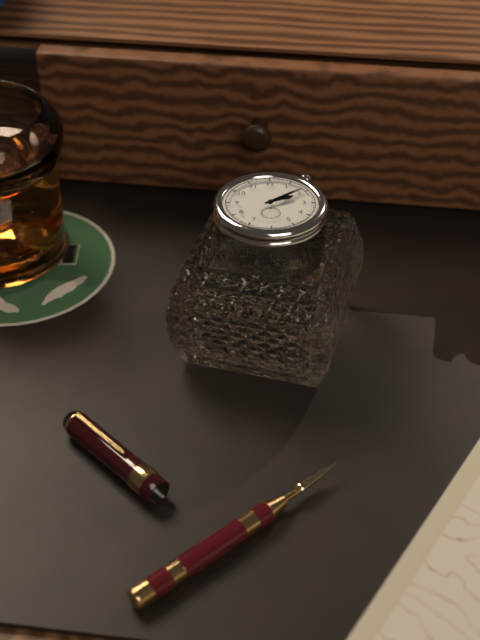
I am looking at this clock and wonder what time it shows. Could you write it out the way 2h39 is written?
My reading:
2h09
